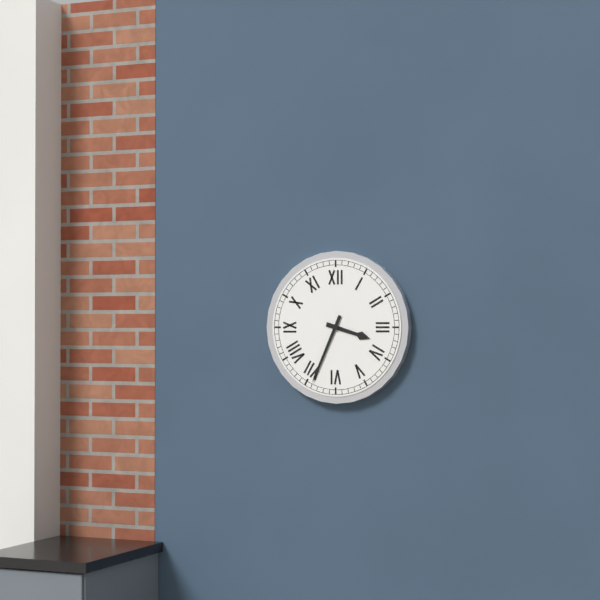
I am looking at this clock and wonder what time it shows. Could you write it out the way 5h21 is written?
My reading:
3h34
